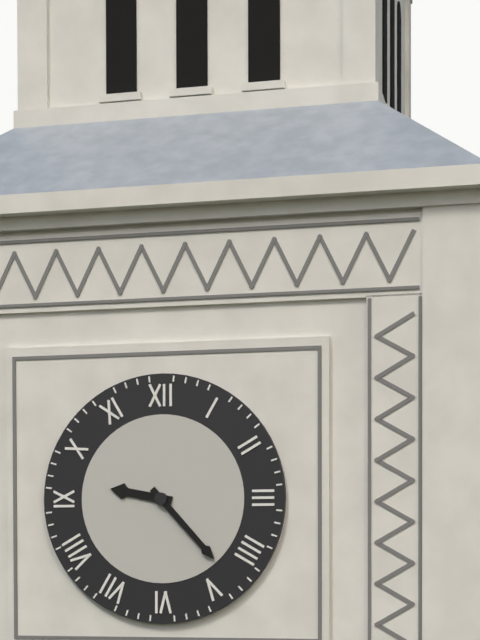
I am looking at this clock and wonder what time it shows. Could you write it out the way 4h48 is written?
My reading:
9h23
